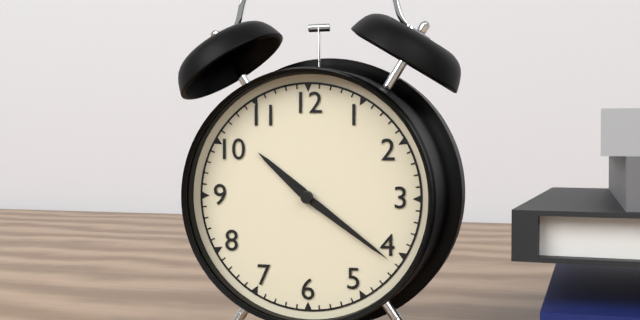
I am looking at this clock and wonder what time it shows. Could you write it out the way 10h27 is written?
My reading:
10h21
